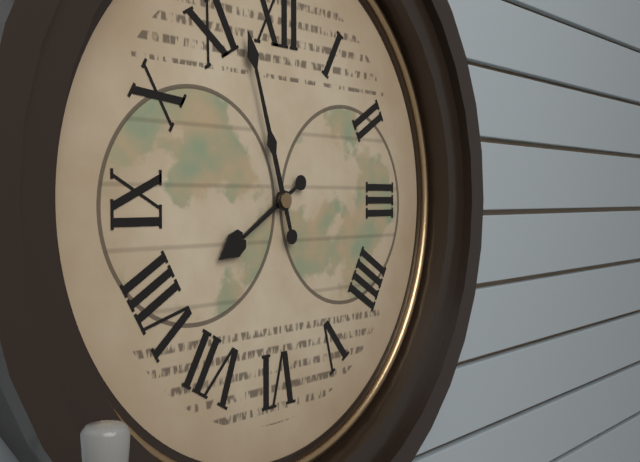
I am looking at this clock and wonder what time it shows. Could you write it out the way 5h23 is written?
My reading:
7h57
